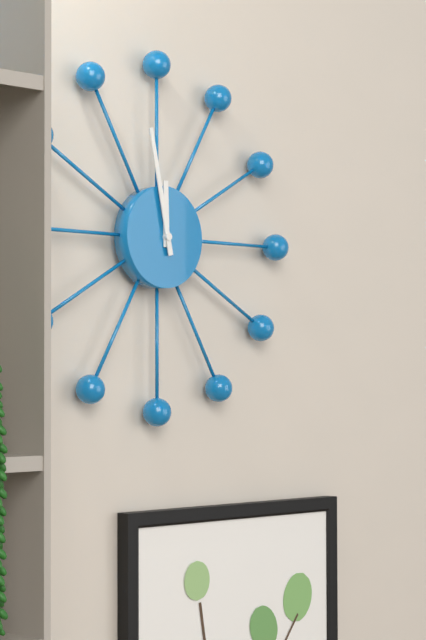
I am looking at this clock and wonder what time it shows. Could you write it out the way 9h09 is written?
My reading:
11h58
